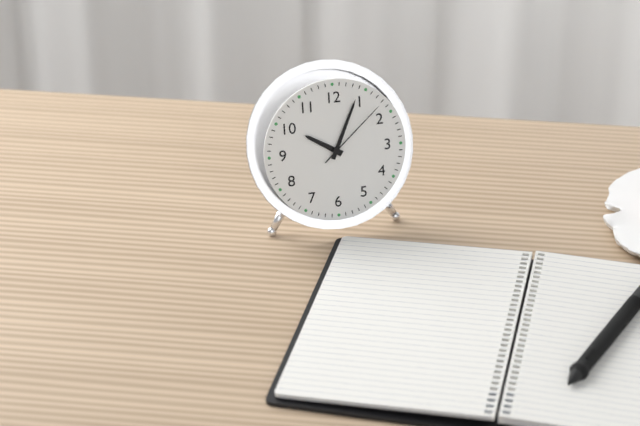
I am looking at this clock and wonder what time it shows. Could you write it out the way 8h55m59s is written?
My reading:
10h04m08s
